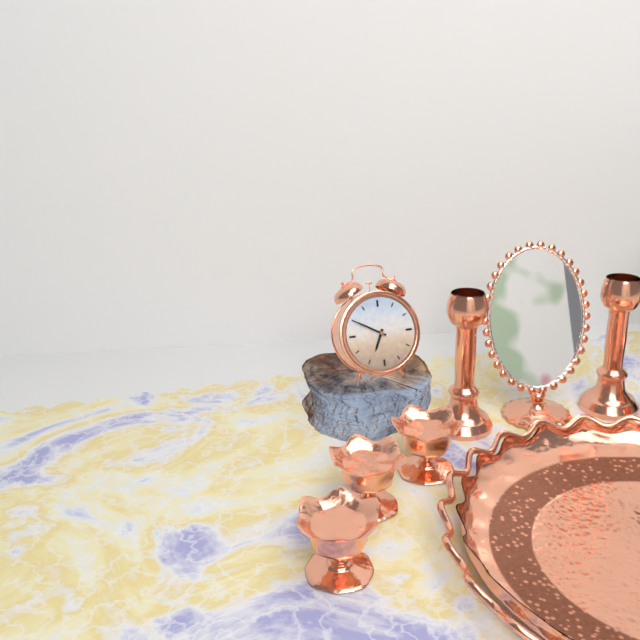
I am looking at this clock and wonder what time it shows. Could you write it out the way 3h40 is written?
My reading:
6h50
